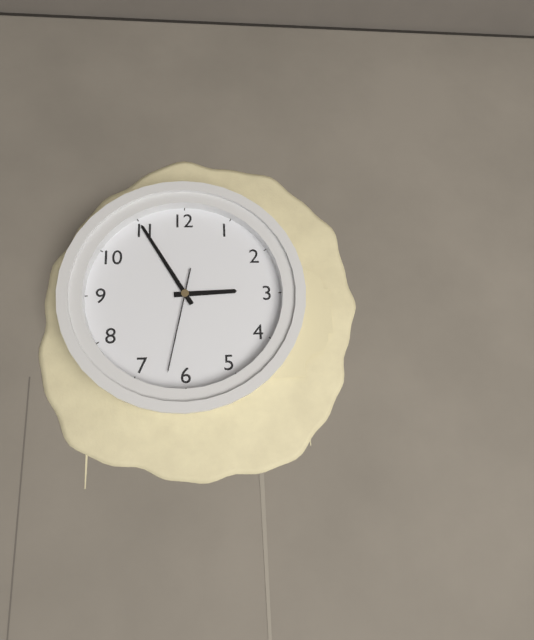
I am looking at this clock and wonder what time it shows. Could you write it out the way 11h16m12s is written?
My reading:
2h55m32s
